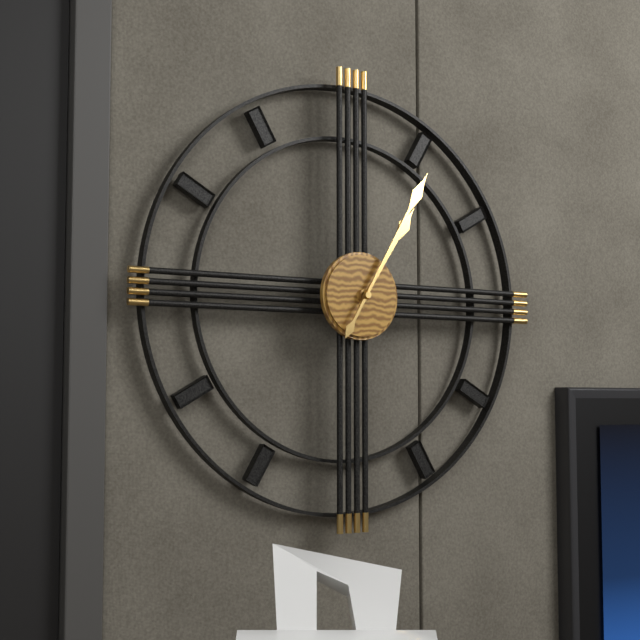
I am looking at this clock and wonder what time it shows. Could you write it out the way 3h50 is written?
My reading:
1h05
